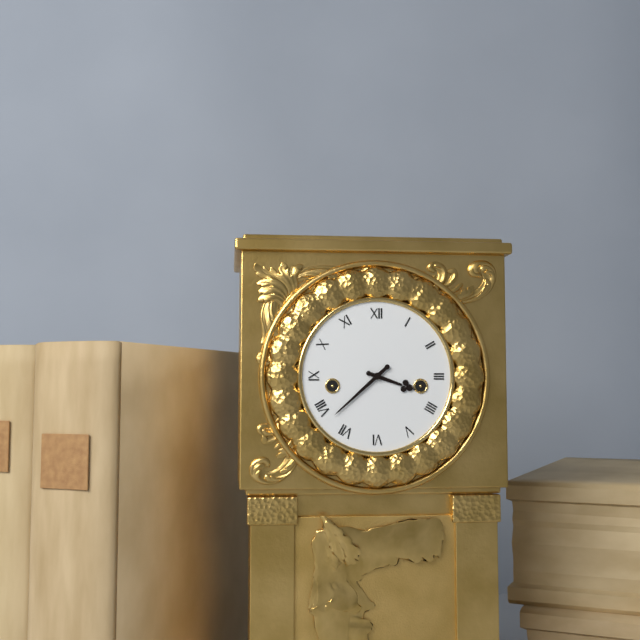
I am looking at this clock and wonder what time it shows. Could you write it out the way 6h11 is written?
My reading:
3h38
